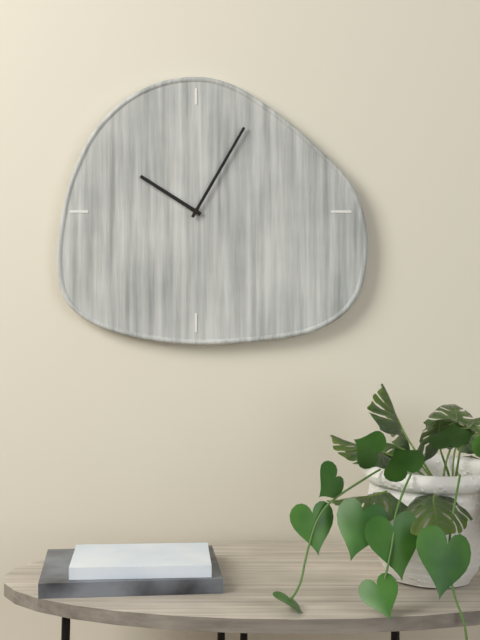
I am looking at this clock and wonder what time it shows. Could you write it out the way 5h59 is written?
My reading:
10h05
